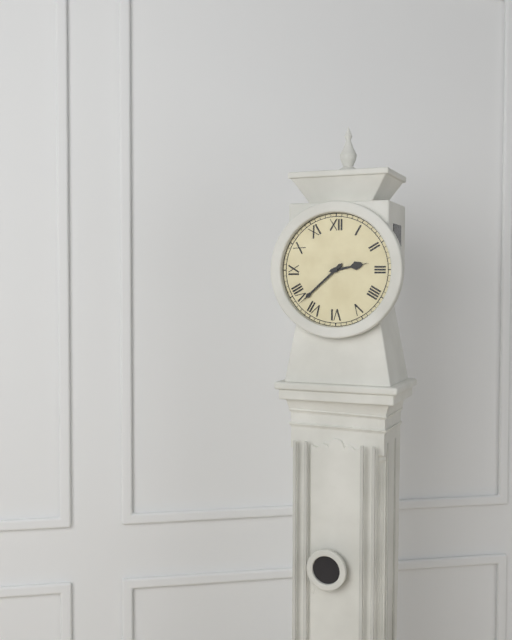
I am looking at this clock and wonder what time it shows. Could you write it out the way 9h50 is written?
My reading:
2h38
